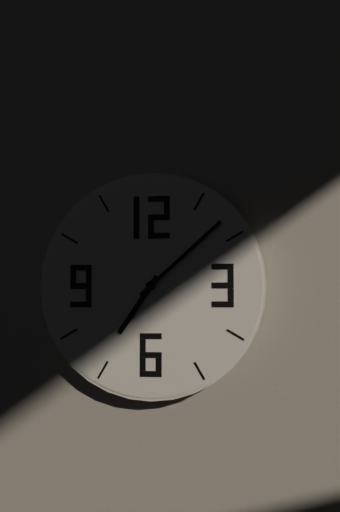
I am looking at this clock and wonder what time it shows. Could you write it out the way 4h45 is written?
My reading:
7h08
